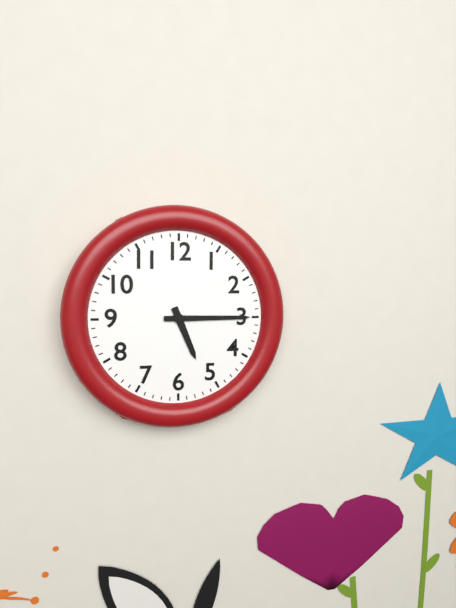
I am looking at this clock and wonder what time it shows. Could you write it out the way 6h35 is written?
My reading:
5h15
